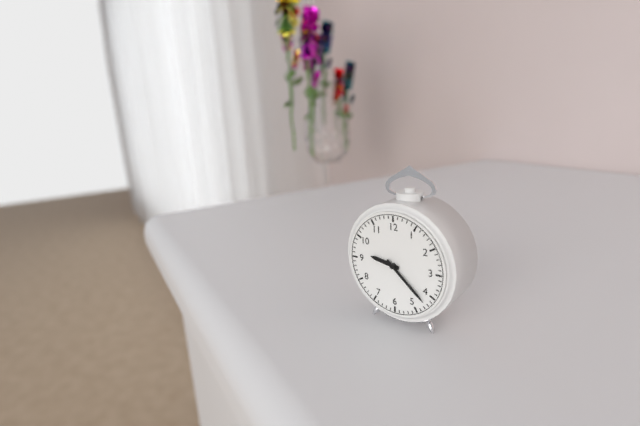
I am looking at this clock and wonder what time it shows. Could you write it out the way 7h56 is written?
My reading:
9h22
